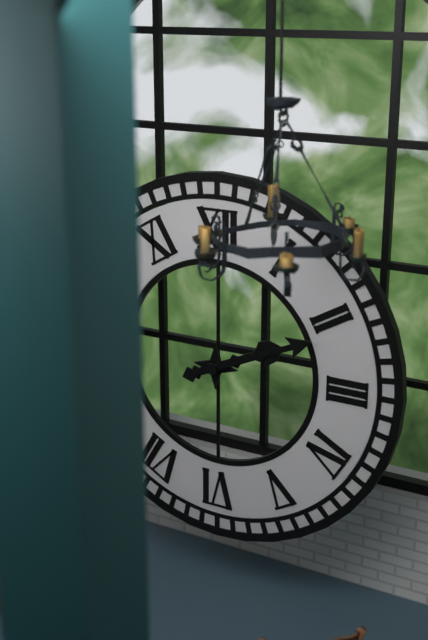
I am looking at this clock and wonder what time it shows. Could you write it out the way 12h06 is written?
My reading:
2h11
